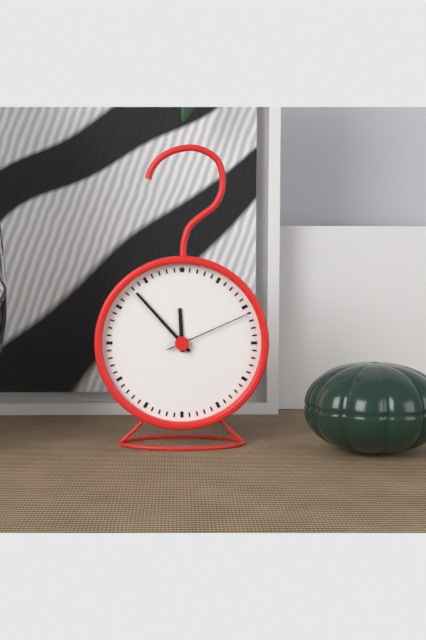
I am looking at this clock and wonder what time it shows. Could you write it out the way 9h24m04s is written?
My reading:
11h53m11s
